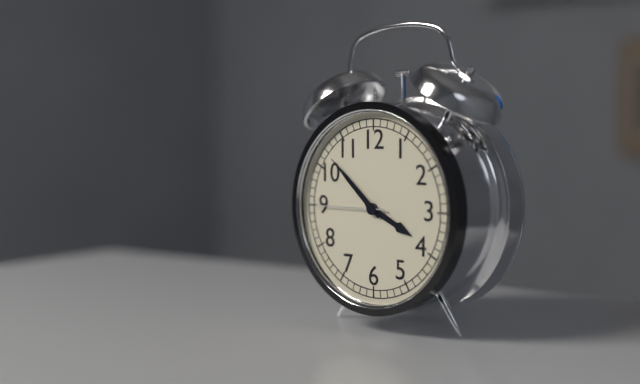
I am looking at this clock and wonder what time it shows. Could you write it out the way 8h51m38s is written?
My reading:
3h52m45s
